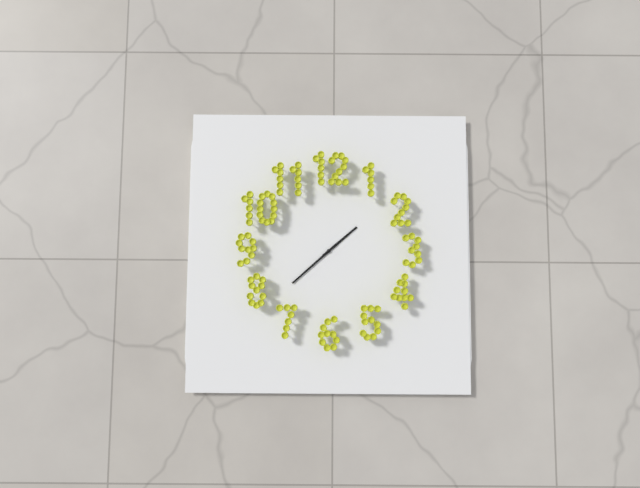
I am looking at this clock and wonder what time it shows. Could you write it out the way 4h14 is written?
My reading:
1h38
